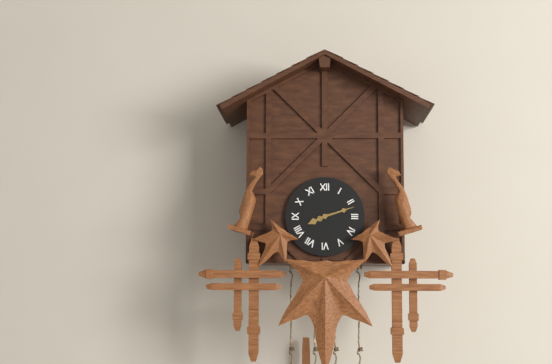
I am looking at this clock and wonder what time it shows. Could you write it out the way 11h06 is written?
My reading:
8h12
